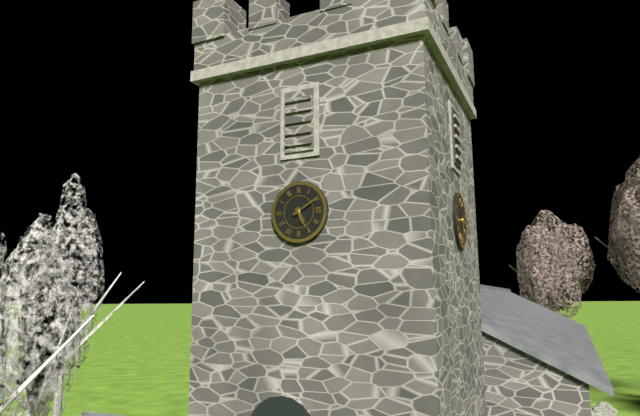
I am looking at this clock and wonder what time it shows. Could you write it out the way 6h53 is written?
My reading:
5h10
